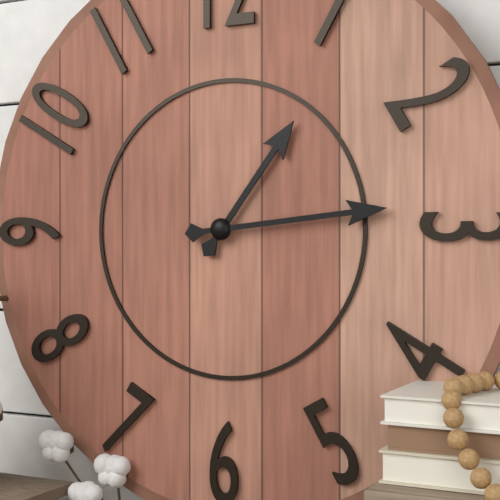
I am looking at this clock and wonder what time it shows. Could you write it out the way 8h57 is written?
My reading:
1h14
